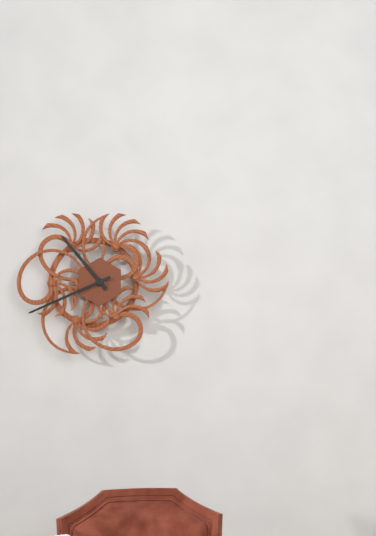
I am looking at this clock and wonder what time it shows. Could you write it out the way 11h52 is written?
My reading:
10h41
